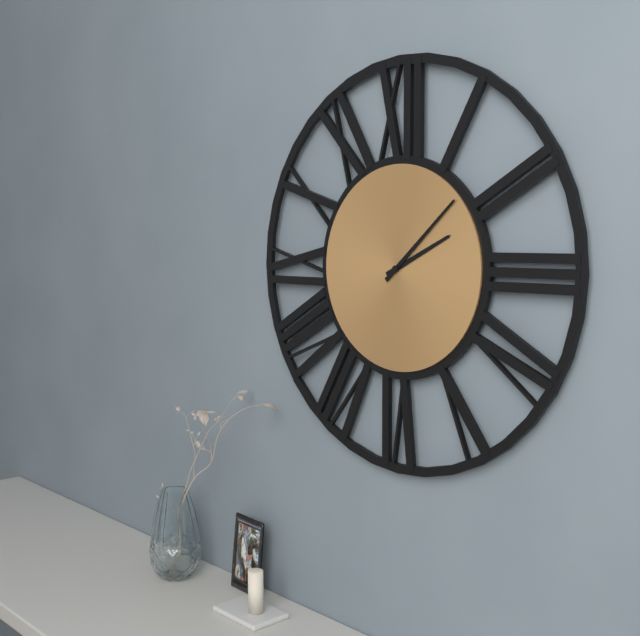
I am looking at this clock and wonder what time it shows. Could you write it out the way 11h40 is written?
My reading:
2h08
